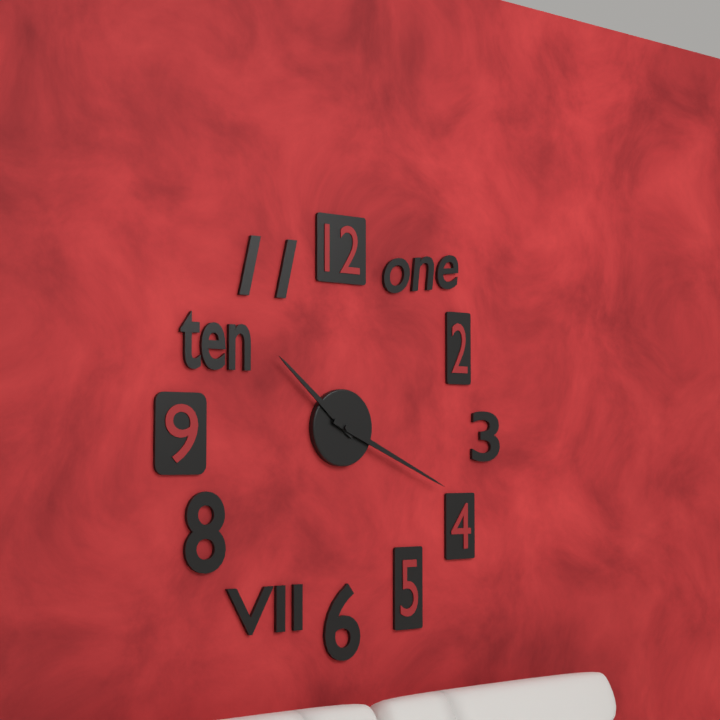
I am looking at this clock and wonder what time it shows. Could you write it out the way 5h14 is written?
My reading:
10h19
